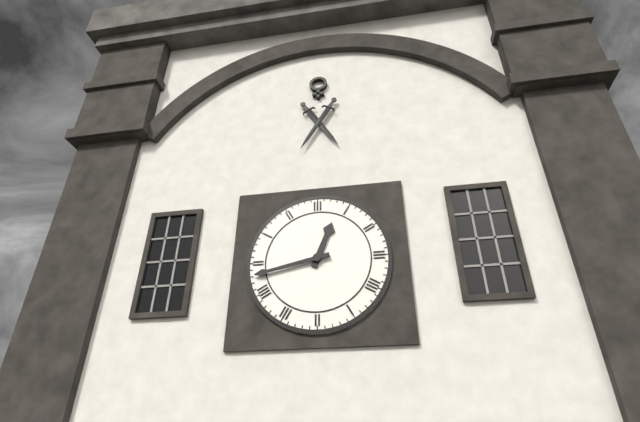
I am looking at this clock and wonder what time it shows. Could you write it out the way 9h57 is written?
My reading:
12h43
